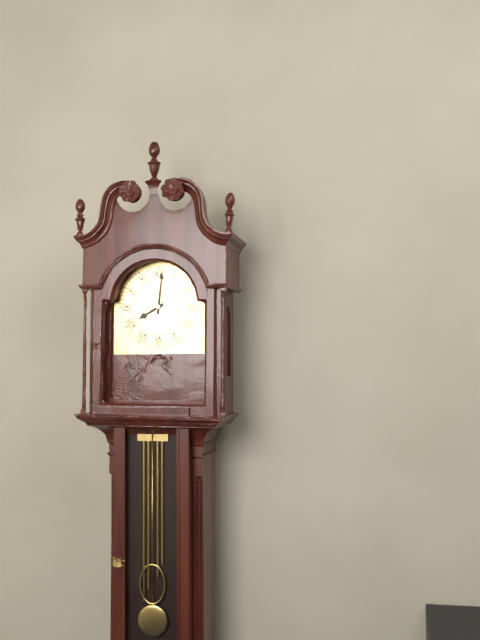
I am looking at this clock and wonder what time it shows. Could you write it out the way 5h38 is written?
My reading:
8h01
